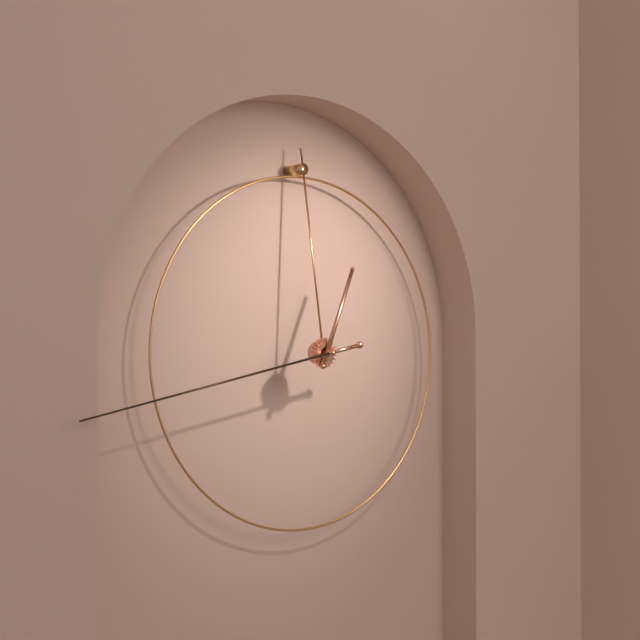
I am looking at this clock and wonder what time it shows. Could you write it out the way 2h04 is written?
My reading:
12h43
